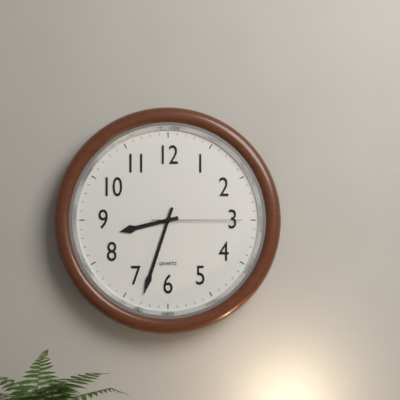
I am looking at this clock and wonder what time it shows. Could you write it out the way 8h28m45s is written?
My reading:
8h33m15s
